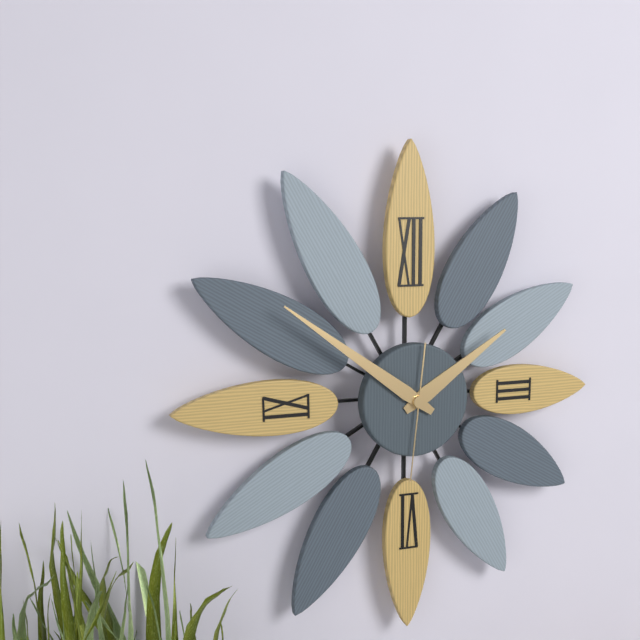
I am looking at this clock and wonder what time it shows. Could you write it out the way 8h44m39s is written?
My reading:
1h51m31s
